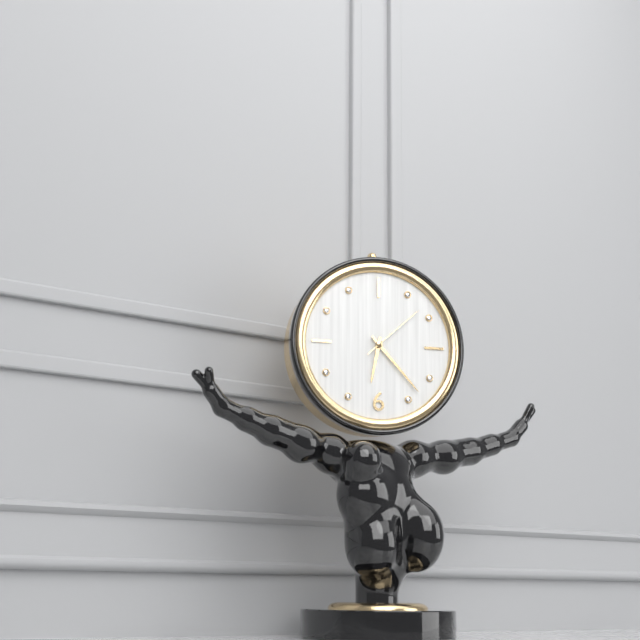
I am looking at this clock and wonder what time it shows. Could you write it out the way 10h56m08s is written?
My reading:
6h23m08s
